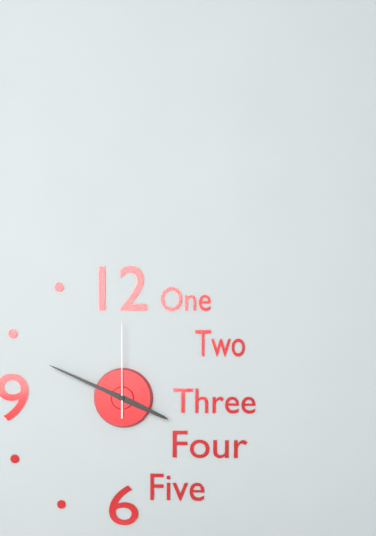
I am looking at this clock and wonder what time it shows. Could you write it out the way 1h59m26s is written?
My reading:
3h49m00s
